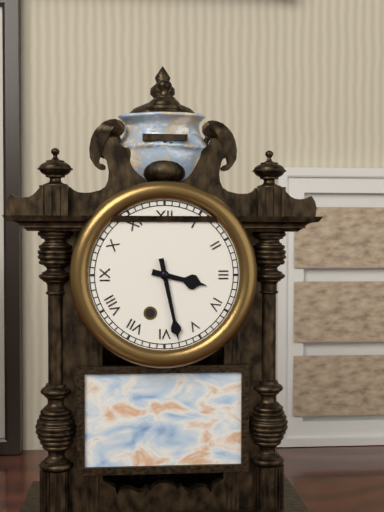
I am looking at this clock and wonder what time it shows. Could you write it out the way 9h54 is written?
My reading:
3h28
